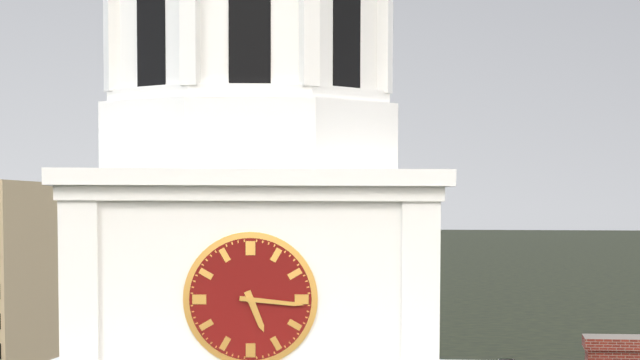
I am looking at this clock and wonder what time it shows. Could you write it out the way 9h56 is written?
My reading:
5h16
